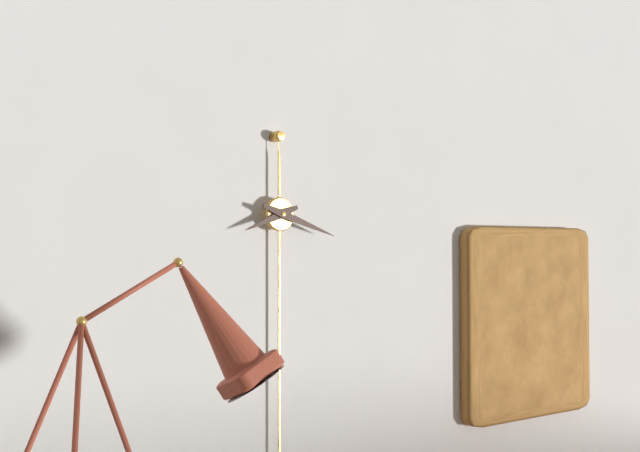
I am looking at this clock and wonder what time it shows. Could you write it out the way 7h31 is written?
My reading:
8h18
